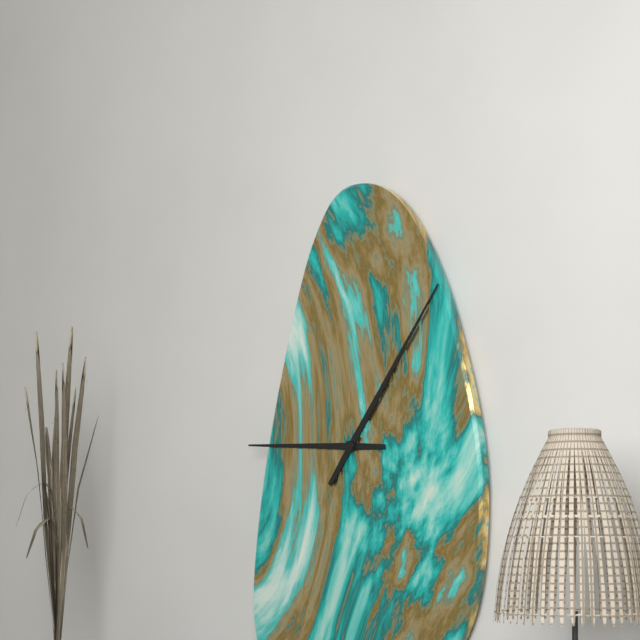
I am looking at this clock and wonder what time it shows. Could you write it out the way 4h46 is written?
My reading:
9h06
